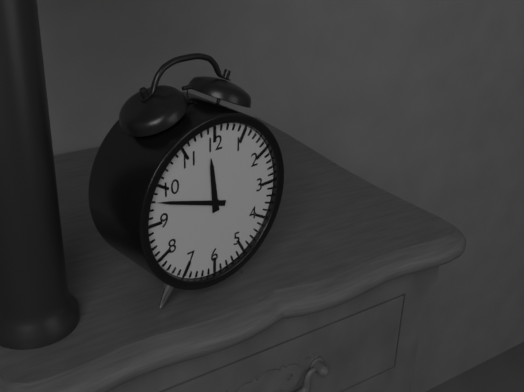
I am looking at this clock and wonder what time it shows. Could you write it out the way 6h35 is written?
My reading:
11h48
